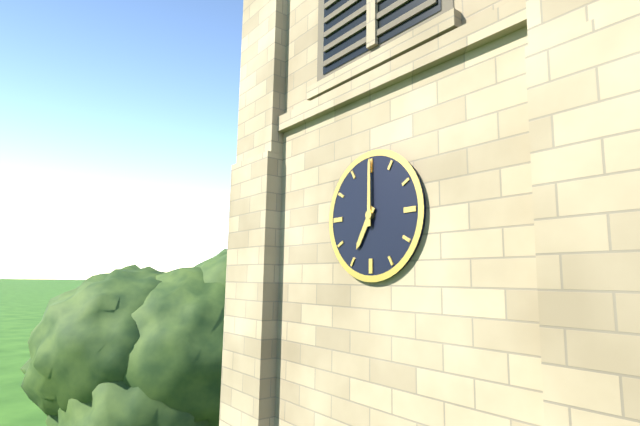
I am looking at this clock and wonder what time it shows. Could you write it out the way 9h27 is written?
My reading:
7h00
